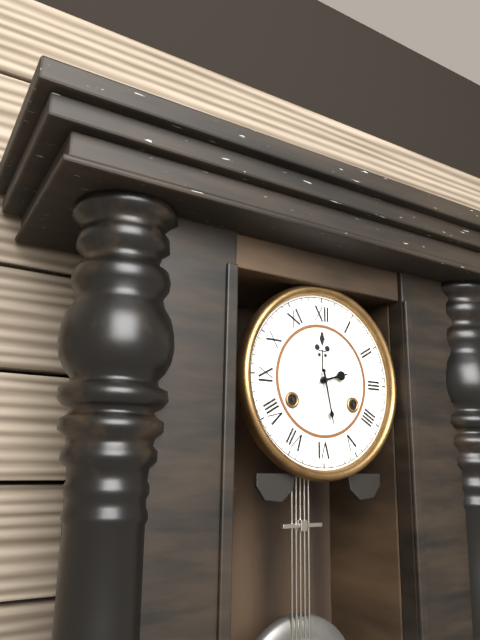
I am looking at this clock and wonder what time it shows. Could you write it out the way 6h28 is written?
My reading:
2h28
